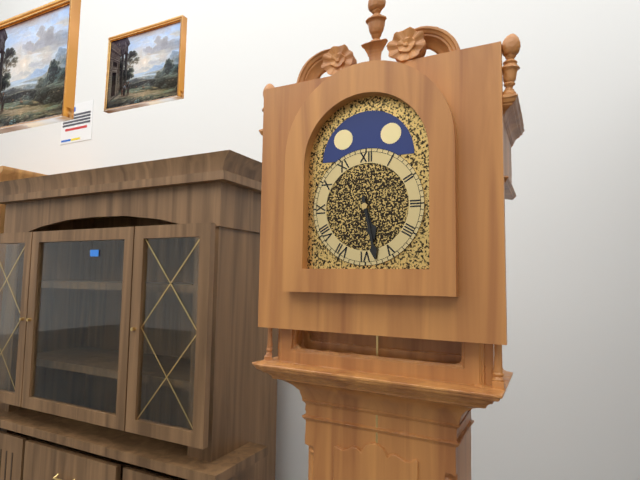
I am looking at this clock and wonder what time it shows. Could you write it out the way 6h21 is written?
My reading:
5h28
